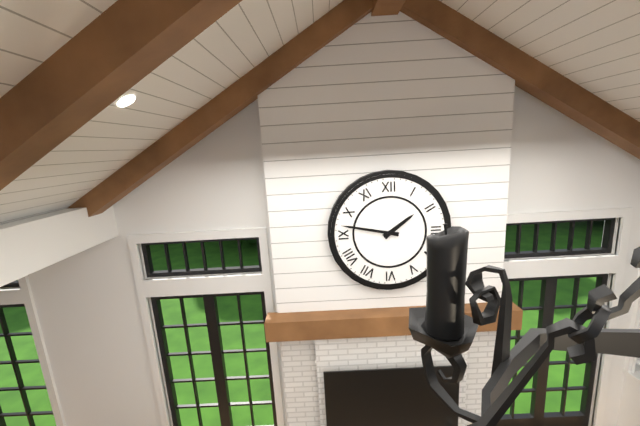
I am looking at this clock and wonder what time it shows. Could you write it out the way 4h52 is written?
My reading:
1h47
